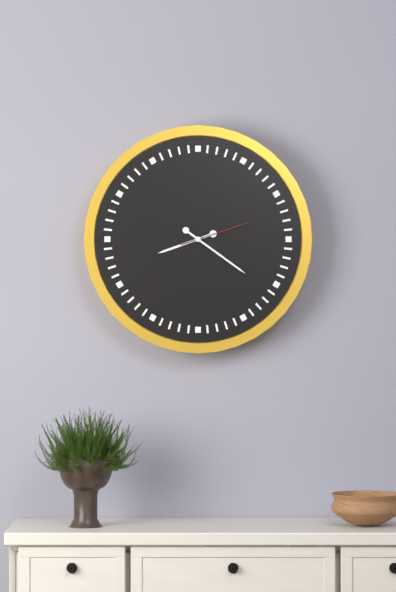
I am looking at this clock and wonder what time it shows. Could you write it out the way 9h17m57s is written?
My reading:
8h21m12s
